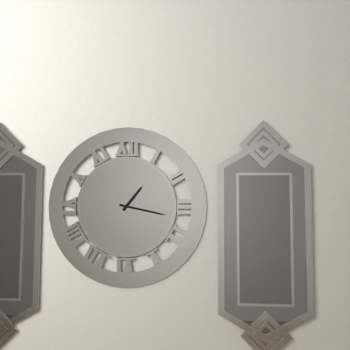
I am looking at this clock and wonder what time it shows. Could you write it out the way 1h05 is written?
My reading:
1h17
